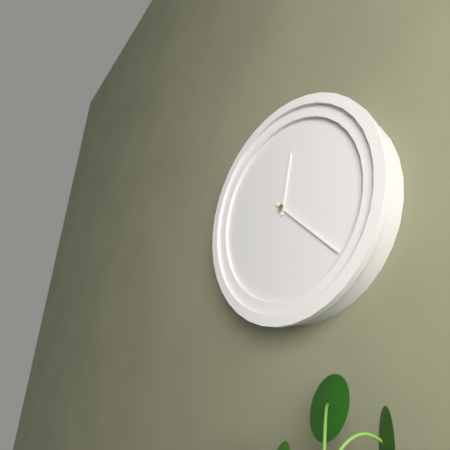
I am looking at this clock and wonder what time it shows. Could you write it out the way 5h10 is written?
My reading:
12h22
